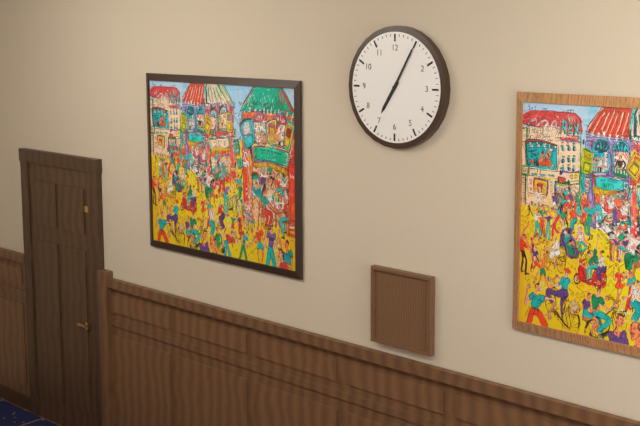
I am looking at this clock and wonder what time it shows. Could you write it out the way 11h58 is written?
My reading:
7h05
